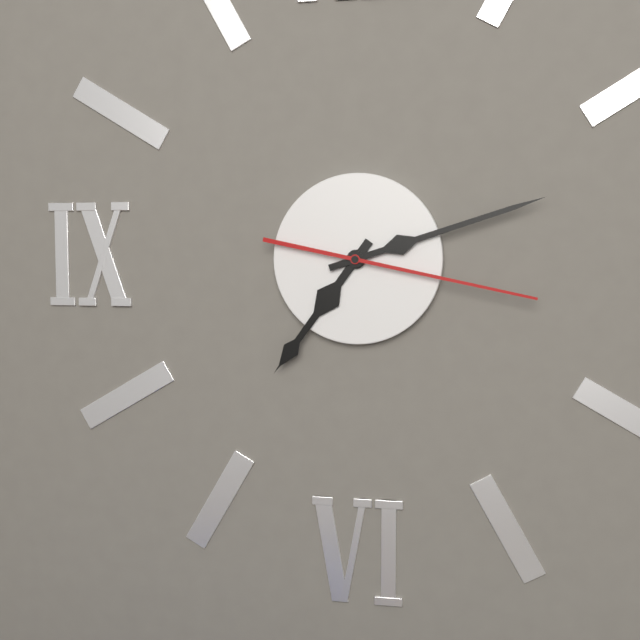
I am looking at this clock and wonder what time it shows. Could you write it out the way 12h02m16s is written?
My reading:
7h12m17s
